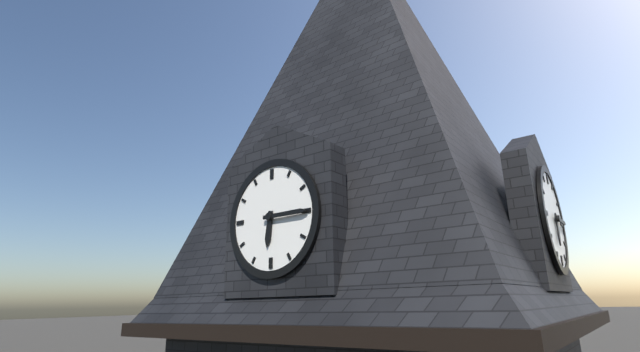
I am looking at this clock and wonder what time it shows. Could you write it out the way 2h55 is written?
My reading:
6h15
